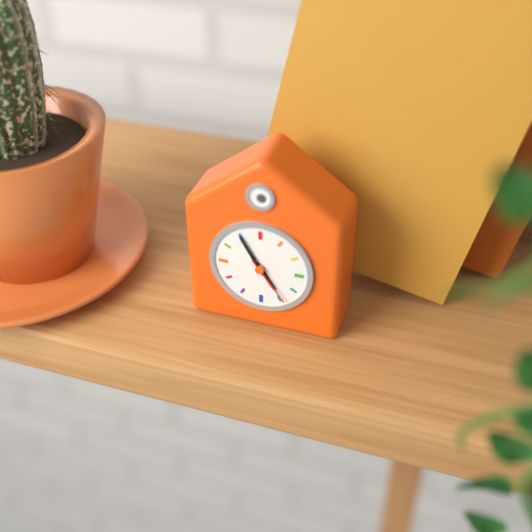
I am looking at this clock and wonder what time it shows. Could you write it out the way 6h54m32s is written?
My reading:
4h55m24s
